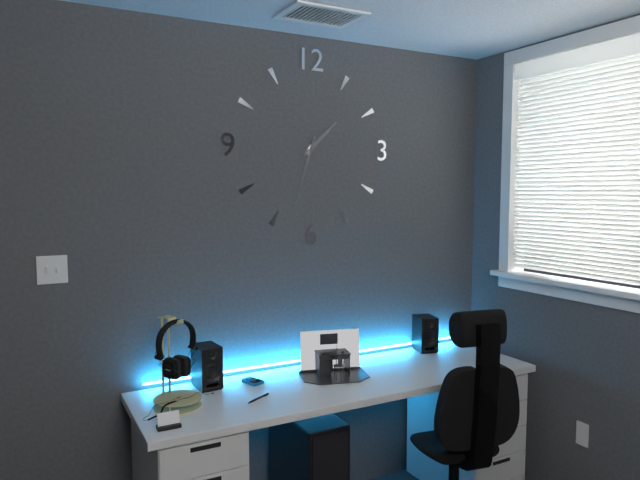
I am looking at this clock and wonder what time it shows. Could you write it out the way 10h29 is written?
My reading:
1h33
